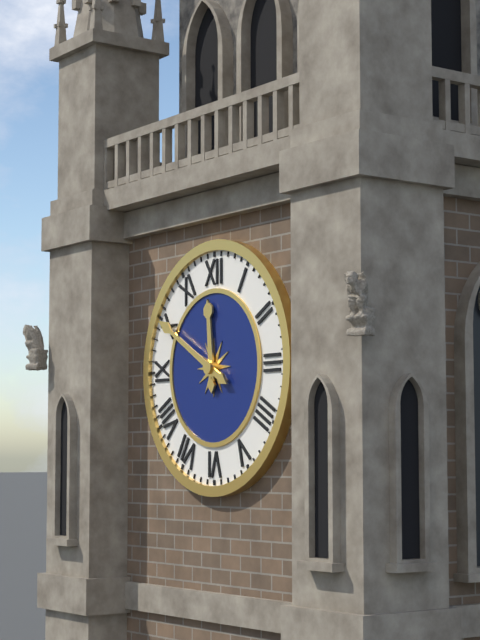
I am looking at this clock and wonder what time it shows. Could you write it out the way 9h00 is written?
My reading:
11h50
